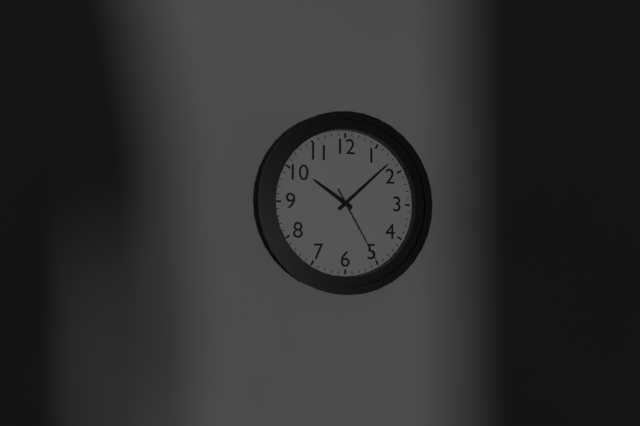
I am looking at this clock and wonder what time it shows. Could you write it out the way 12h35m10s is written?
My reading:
10h08m25s
